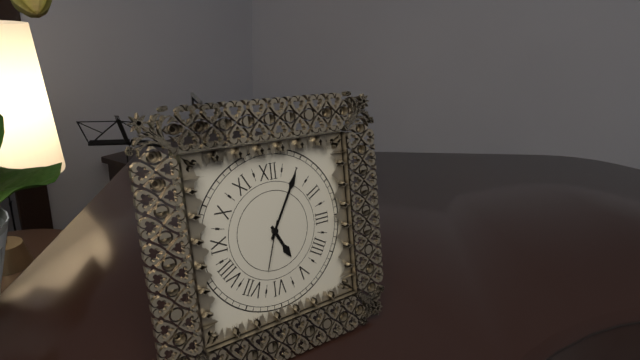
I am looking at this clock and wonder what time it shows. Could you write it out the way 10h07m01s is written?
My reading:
5h05m33s
